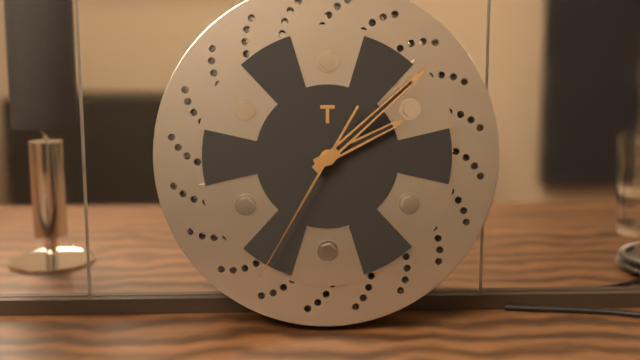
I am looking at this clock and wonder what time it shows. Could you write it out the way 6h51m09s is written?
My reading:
2h08m35s
